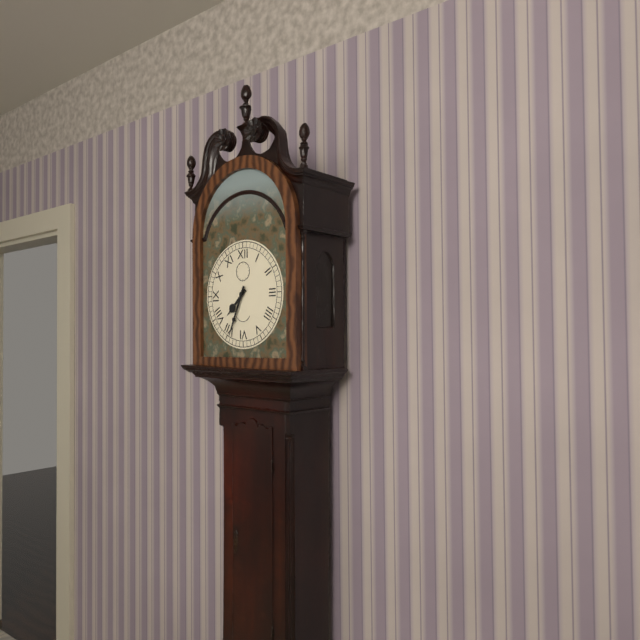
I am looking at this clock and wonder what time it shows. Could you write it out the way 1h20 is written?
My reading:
7h34
